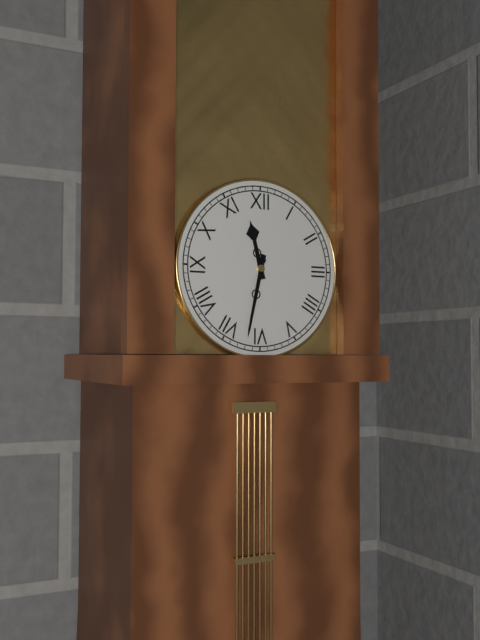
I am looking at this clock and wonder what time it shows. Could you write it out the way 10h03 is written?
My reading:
11h32
